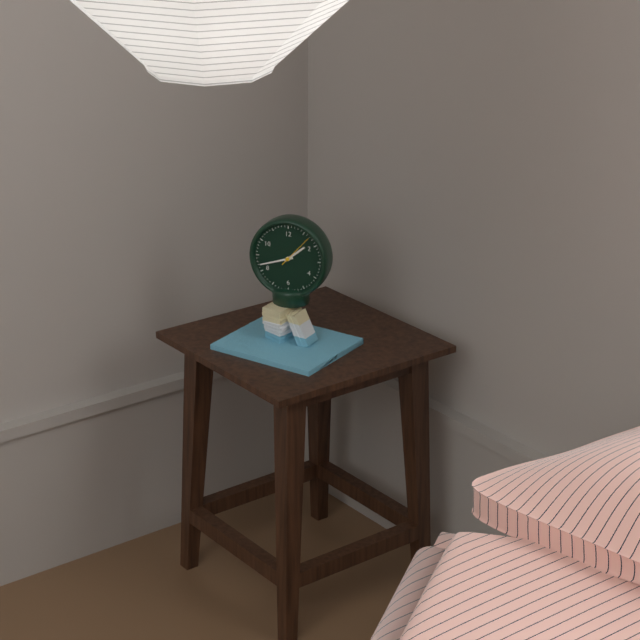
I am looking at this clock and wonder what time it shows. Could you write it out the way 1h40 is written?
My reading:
1h42
